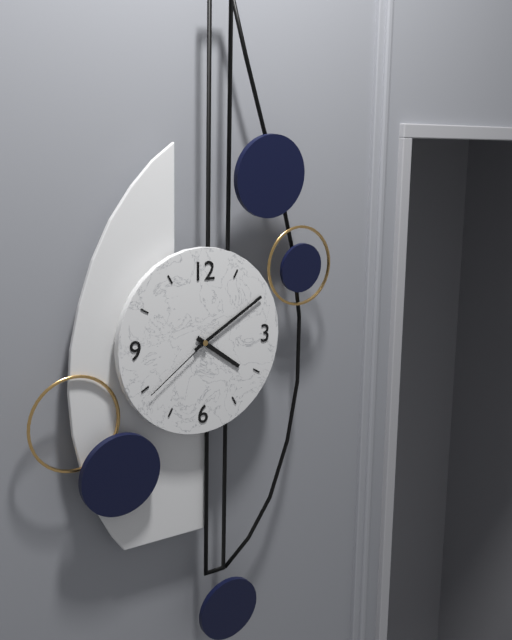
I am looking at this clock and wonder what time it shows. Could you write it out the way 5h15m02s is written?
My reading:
4h10m39s
